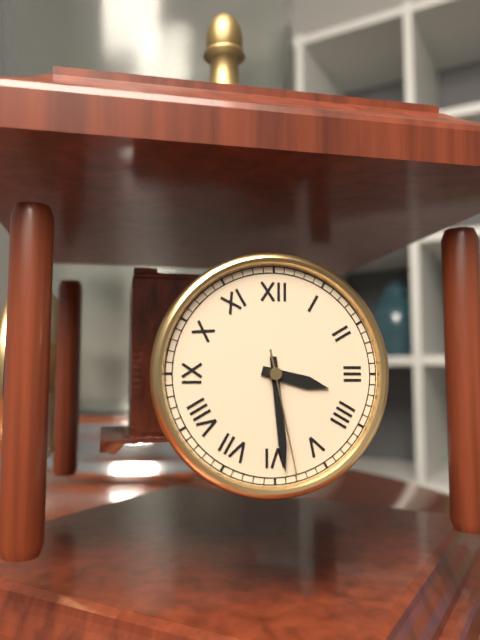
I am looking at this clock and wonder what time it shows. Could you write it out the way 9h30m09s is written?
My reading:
3h29m28s
